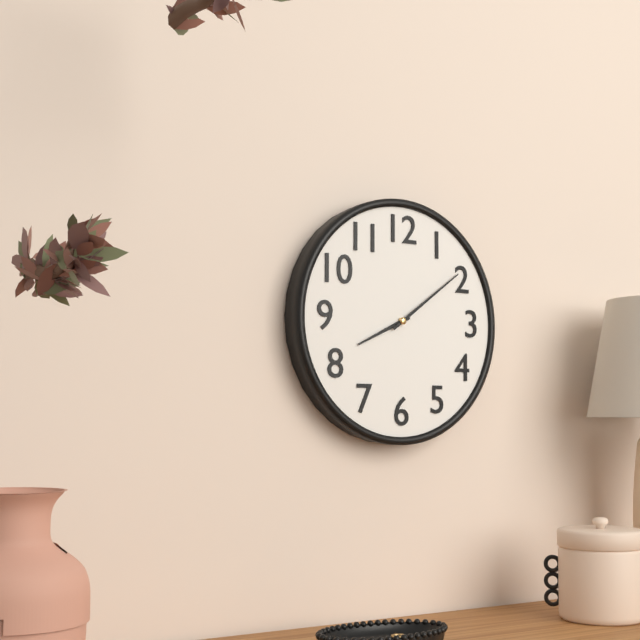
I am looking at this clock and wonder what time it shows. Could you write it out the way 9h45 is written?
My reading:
8h09
